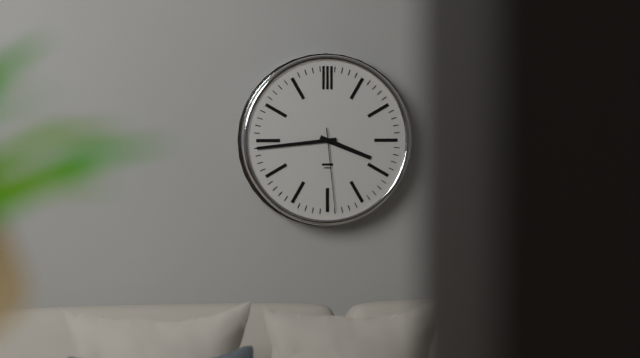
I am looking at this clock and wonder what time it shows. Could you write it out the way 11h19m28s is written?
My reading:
3h44m29s
